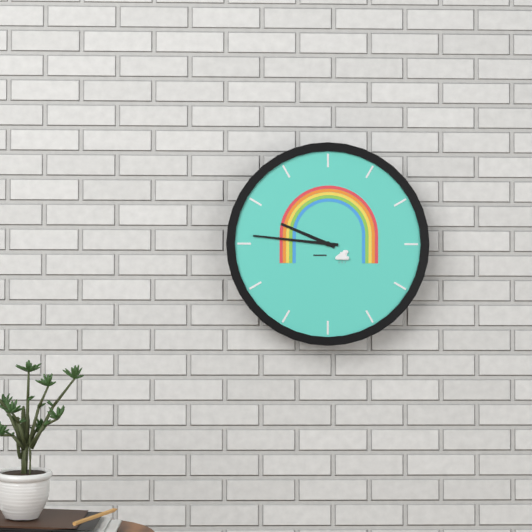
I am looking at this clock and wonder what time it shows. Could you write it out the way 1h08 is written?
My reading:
9h46
